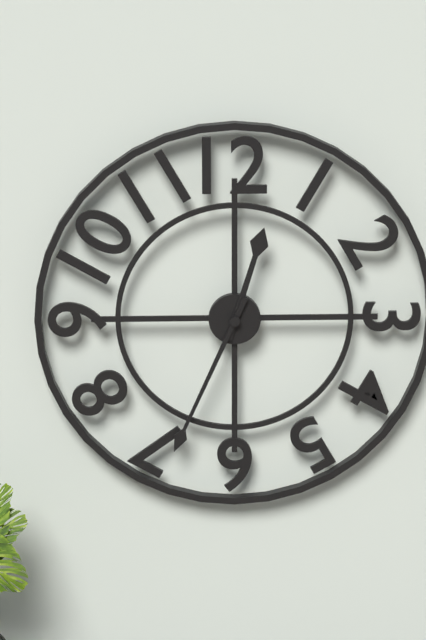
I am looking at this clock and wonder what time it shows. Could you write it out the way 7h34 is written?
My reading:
12h34
